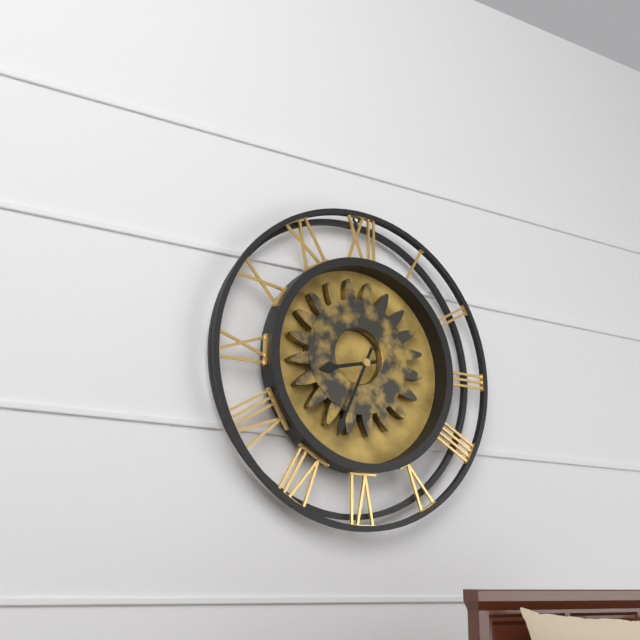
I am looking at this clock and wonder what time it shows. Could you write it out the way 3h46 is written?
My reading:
8h34
